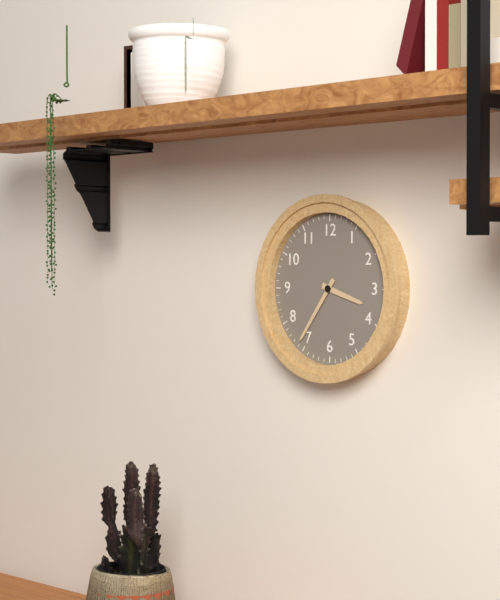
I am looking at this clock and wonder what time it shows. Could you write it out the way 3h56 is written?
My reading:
3h36
